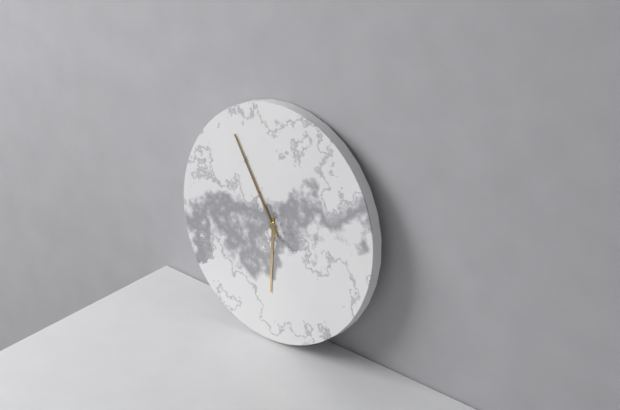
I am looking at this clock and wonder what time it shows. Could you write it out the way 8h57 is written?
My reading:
5h54
